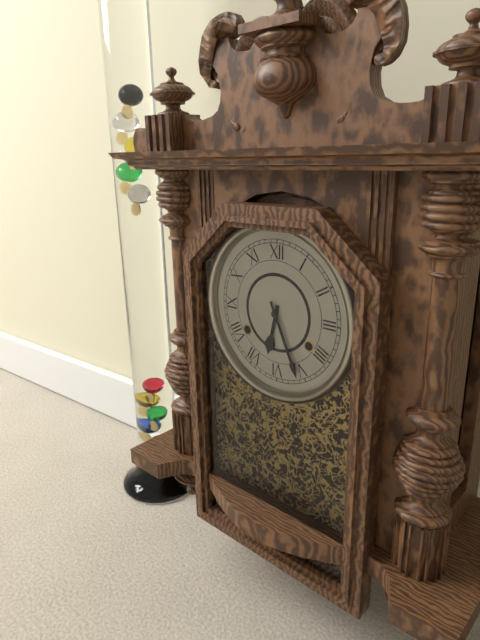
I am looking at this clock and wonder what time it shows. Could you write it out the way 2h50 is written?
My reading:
6h26
